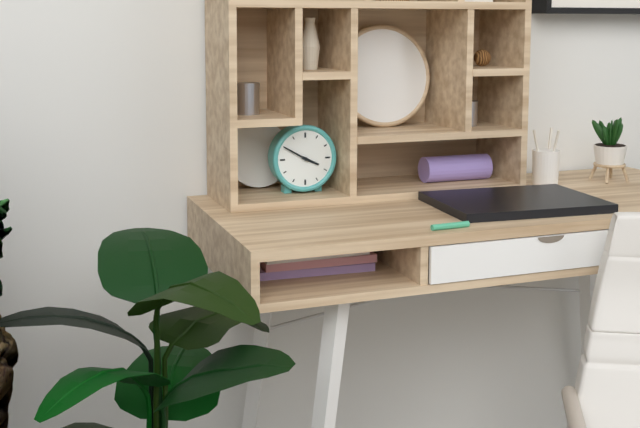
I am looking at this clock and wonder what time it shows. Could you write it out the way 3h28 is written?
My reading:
3h50
